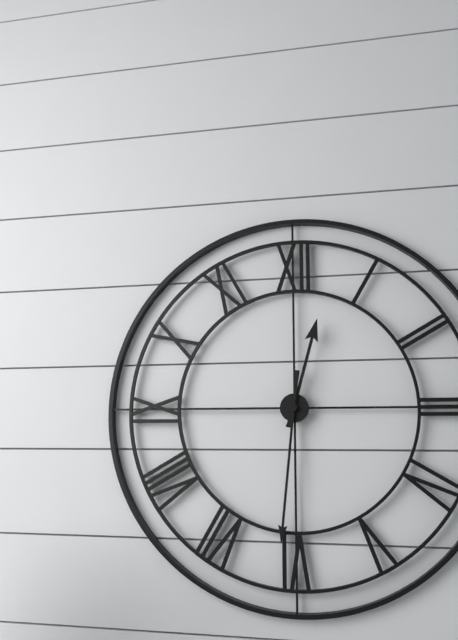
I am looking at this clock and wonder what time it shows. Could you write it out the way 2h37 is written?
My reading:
12h31
